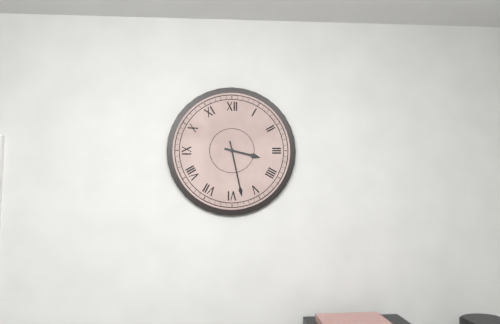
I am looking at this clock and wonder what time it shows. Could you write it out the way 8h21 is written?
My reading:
3h28
